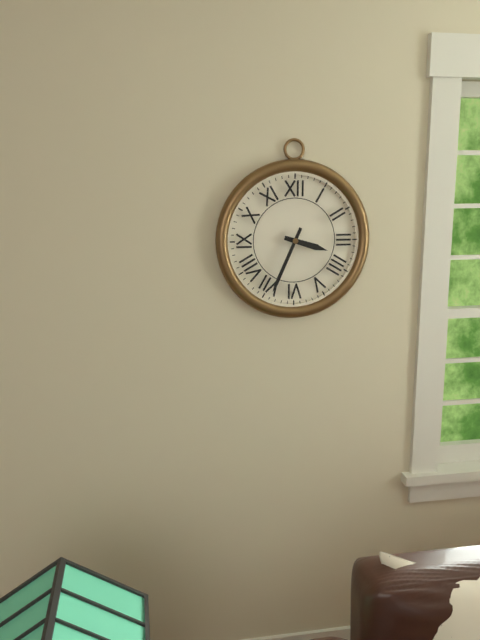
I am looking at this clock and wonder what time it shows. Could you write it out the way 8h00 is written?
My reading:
3h34
